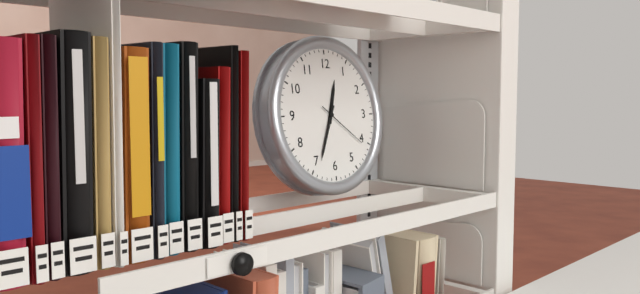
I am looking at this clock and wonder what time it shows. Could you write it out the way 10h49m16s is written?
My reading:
12h34m21s
